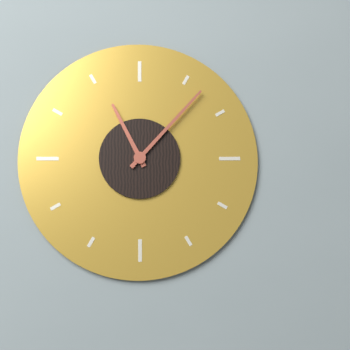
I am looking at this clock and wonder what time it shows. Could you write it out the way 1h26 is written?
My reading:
11h07
